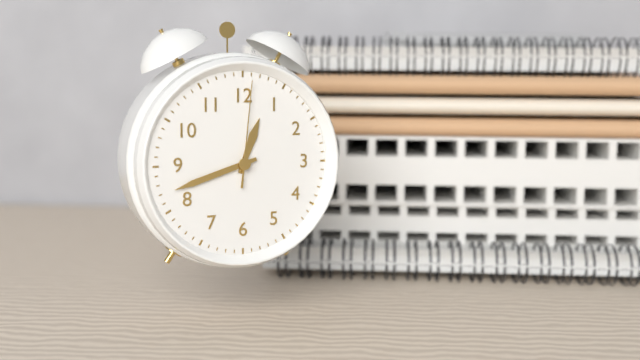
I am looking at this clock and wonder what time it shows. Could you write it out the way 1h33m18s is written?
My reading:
12h42m01s
